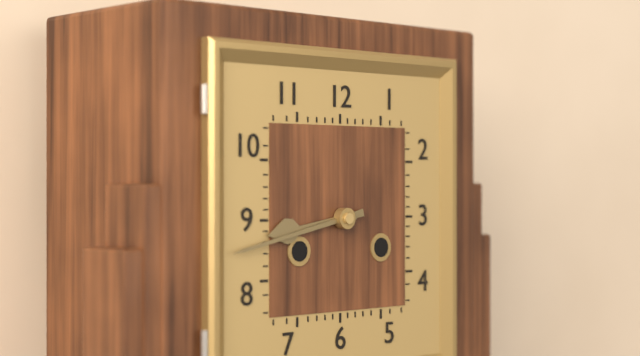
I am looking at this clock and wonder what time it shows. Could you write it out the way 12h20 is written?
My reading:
8h43
